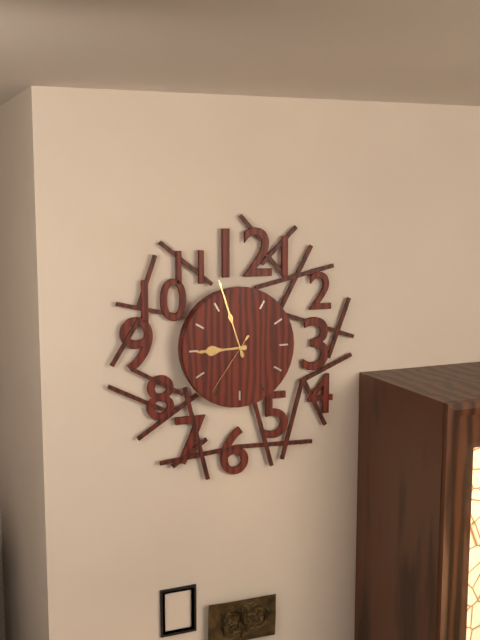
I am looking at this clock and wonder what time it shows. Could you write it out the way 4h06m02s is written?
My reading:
8h57m36s
